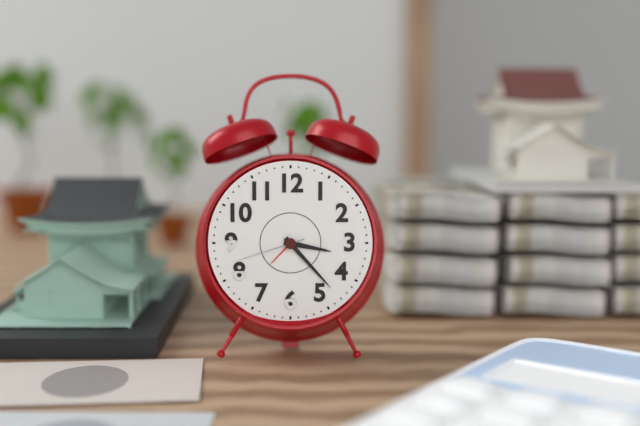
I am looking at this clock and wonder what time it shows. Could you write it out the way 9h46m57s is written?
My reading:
3h23m42s
